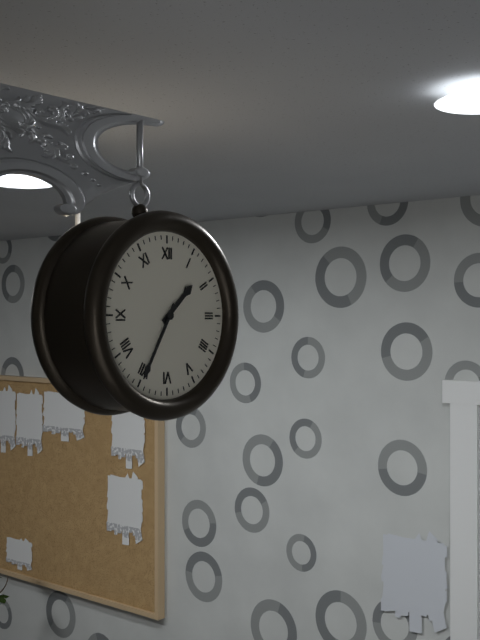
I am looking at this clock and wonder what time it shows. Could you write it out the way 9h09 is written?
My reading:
1h35
